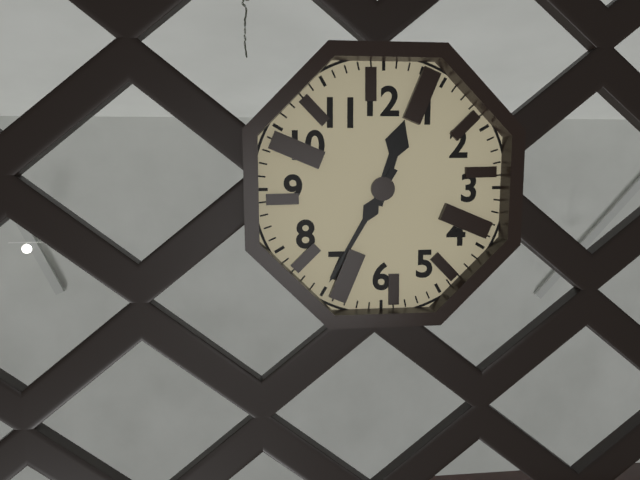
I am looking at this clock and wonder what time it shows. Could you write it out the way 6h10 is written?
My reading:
12h35
